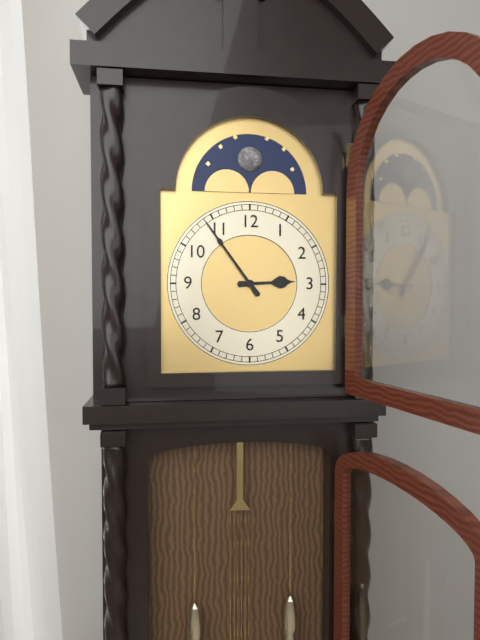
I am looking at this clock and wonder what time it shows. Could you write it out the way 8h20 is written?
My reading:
2h54
